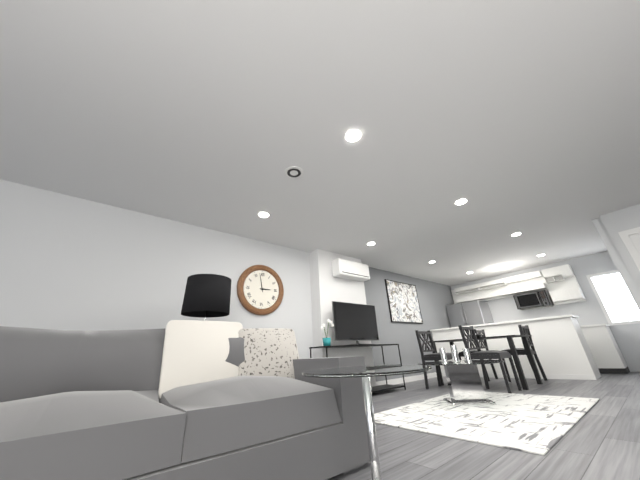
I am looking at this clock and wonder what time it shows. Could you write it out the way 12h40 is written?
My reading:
2h58
